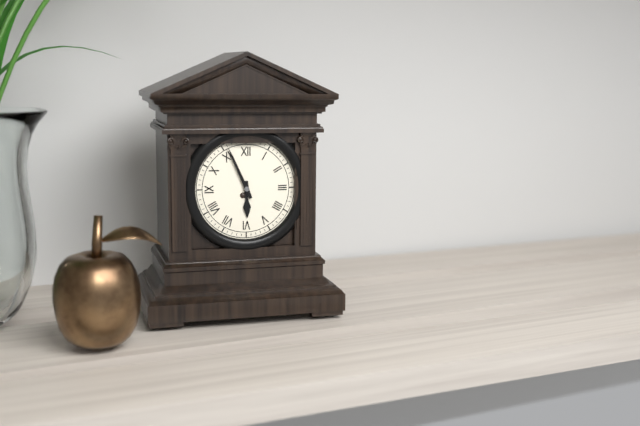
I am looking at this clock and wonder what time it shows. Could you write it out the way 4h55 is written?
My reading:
5h56
